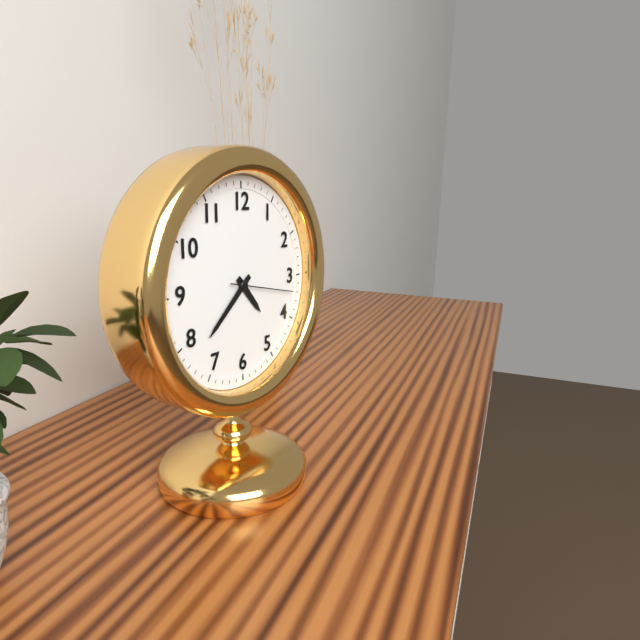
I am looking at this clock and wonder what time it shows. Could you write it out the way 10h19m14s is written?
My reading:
4h38m17s
